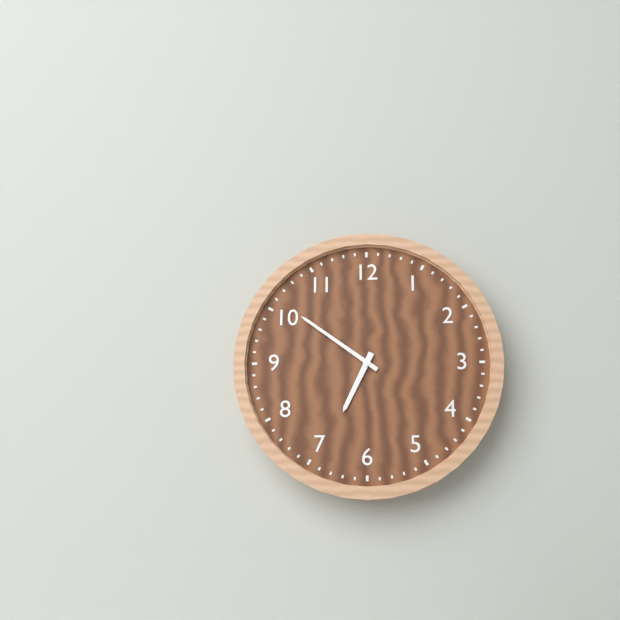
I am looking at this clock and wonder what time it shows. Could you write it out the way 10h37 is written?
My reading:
6h51
